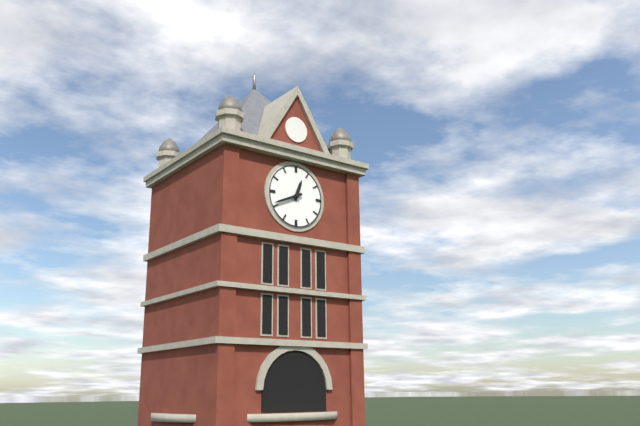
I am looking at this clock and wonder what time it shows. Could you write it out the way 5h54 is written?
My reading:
12h41
